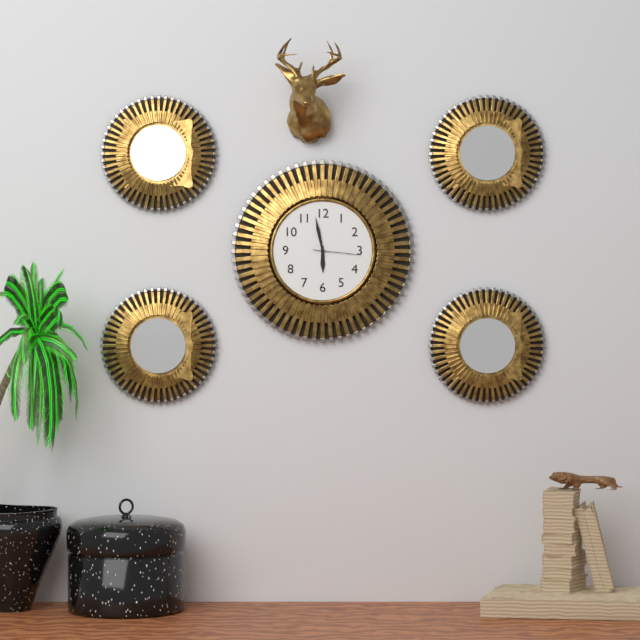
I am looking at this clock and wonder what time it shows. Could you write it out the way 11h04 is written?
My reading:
5h58
